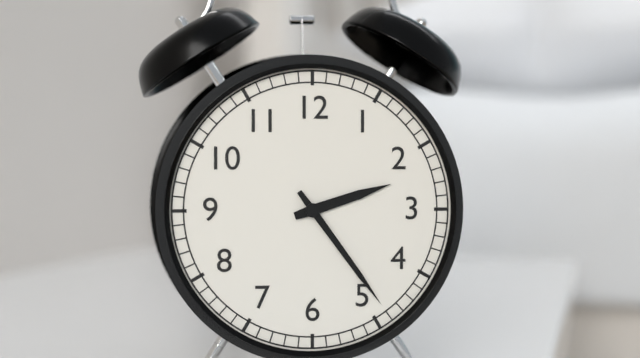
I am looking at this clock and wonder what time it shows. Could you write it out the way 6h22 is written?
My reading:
2h24
